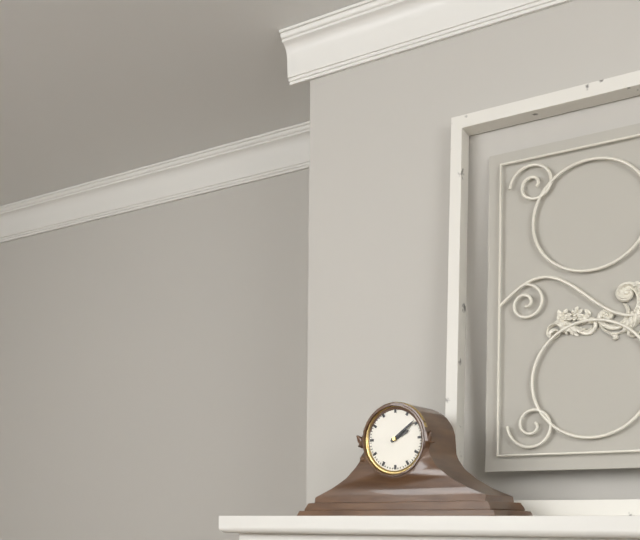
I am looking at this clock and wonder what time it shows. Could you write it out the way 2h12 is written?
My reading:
2h09
